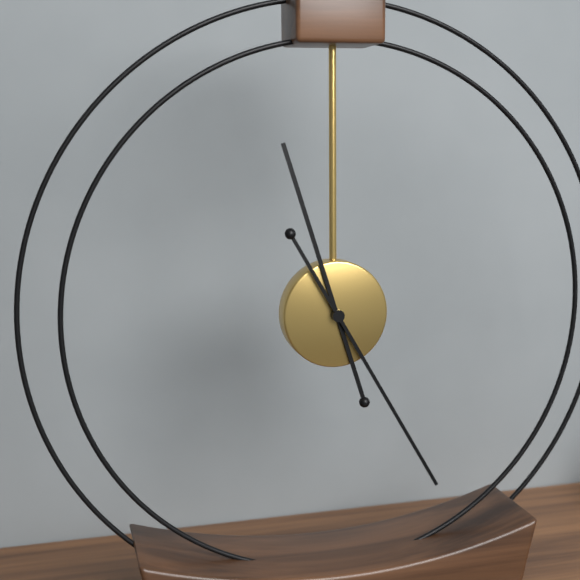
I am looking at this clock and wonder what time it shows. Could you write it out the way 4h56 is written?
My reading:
11h25
